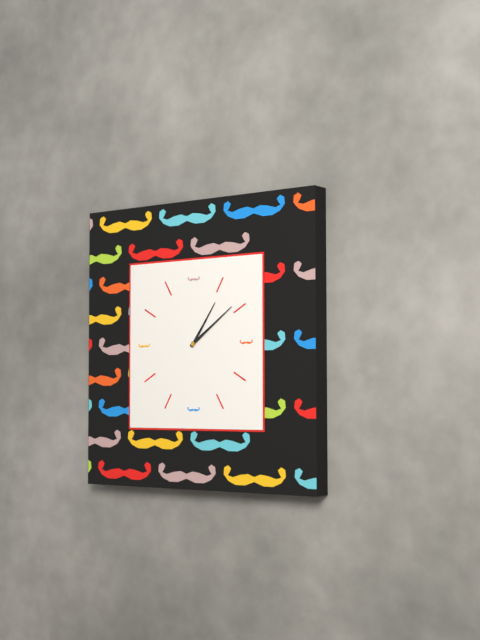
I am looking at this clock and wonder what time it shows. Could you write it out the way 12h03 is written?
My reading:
1h09
